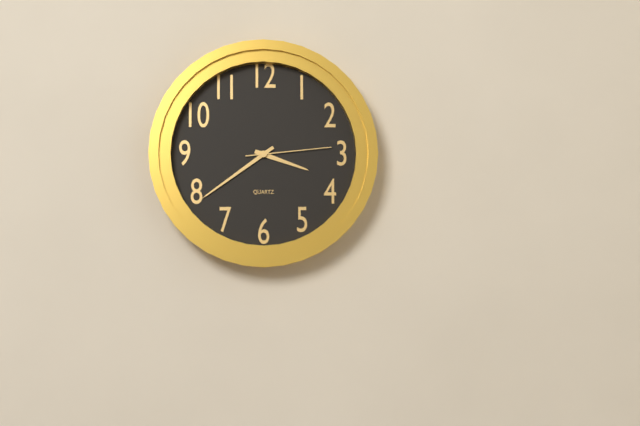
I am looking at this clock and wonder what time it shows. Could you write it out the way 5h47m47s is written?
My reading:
3h39m14s
